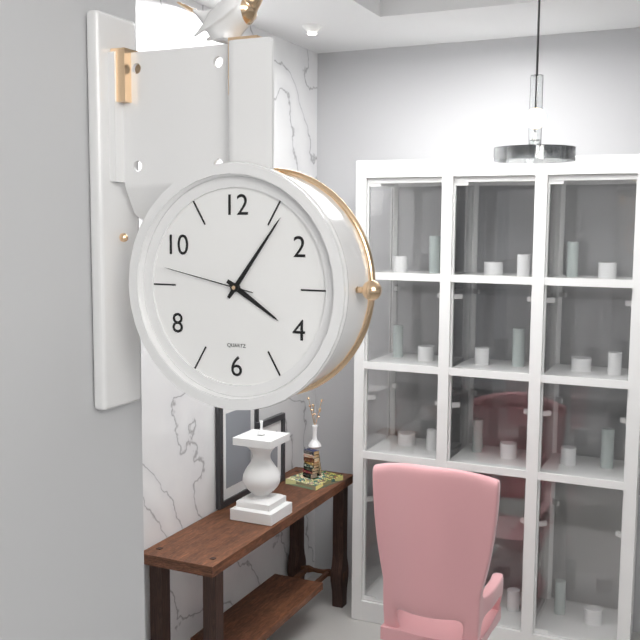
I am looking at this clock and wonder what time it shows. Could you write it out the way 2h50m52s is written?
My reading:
4h06m47s
